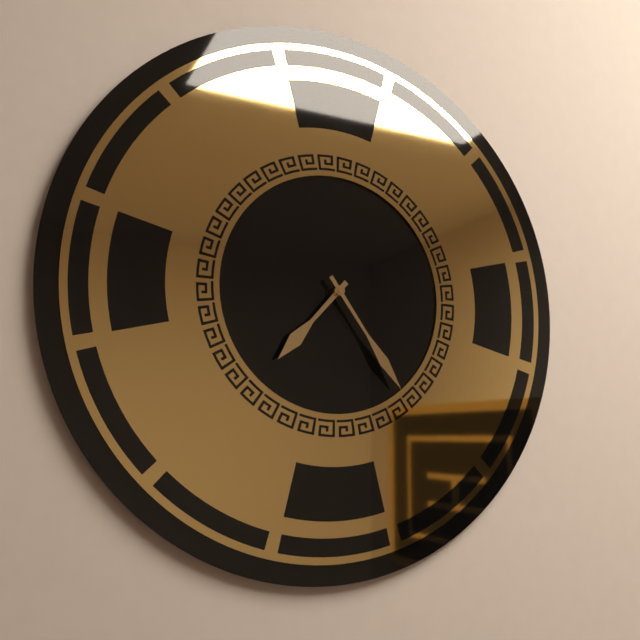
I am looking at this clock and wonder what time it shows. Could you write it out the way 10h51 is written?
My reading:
7h24
